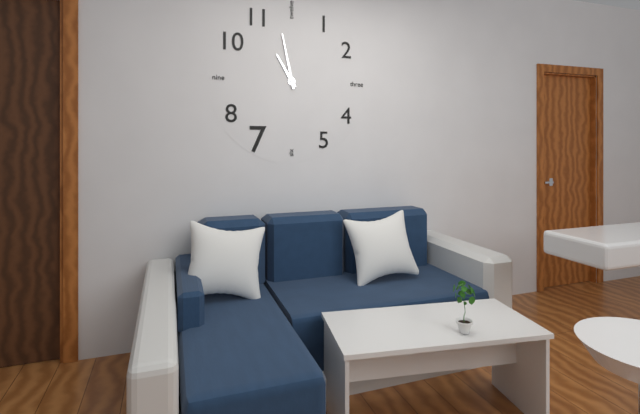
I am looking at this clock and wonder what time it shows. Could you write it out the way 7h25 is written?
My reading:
10h58
